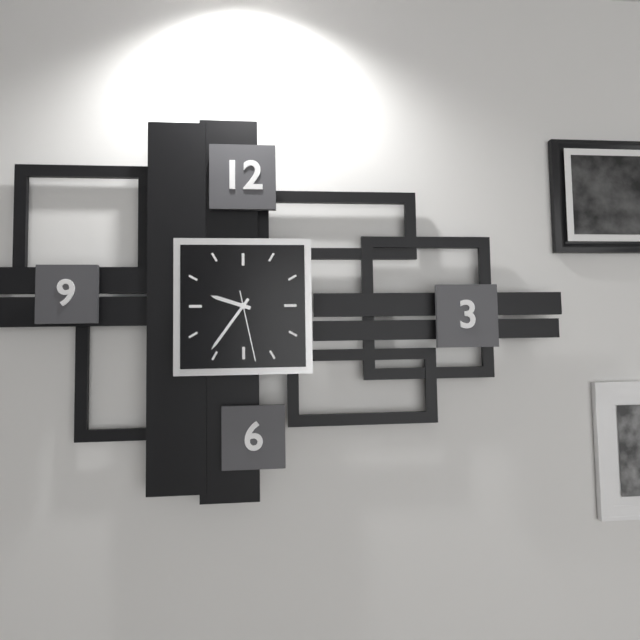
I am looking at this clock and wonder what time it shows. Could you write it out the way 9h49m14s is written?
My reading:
9h36m28s
